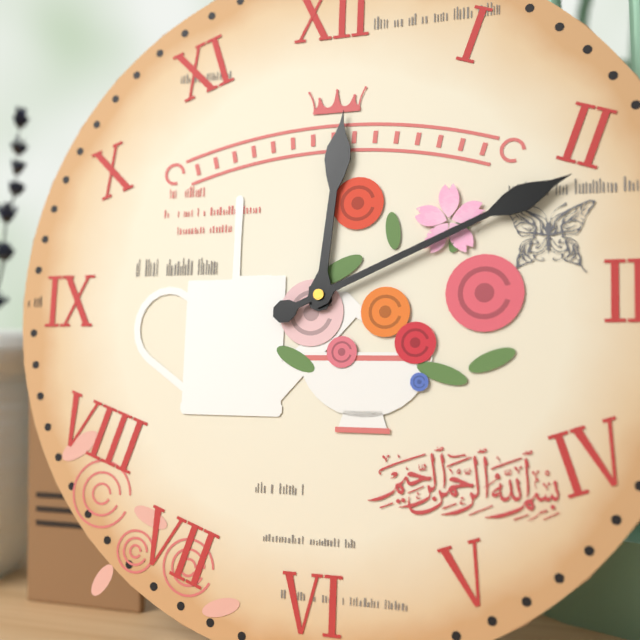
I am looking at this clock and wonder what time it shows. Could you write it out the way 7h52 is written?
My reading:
12h11
